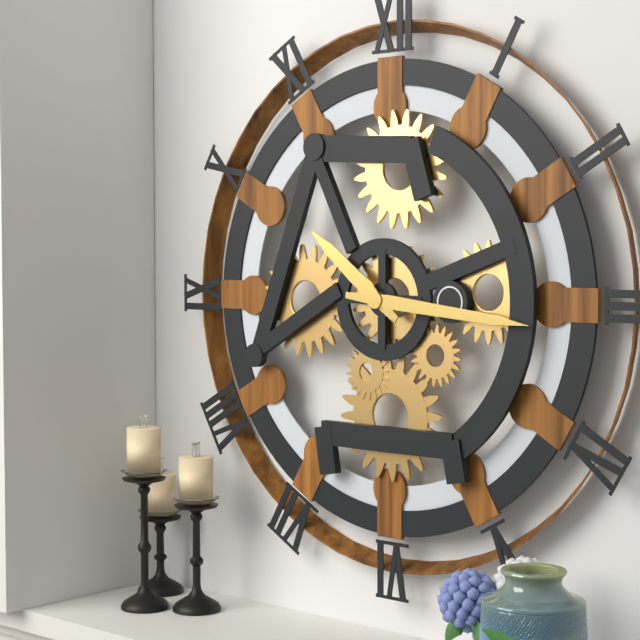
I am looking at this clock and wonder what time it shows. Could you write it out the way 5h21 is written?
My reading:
10h16
